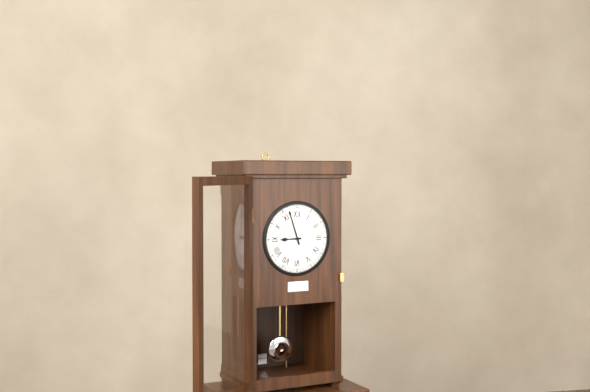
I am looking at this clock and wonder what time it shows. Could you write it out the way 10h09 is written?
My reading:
8h57
